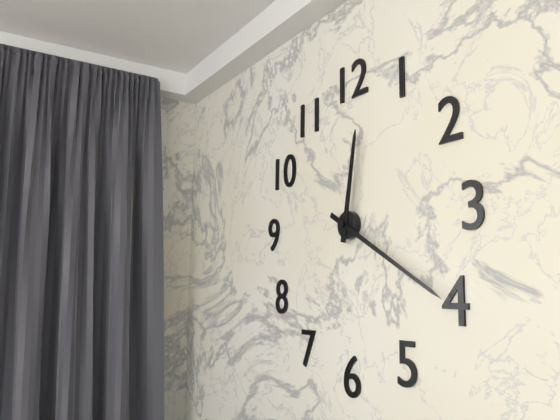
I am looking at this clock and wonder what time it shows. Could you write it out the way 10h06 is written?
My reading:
12h20
